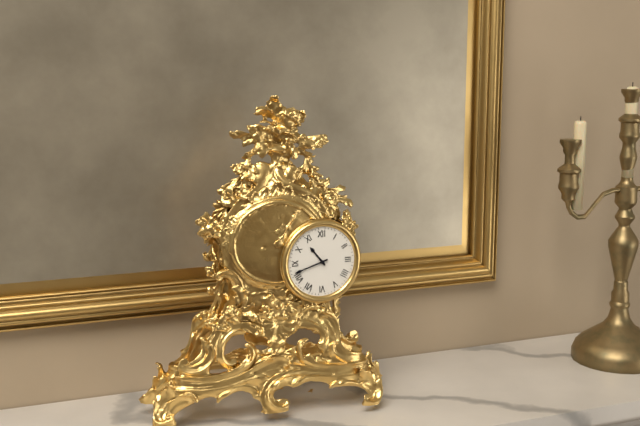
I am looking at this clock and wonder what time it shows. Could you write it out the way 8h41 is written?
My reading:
10h42
